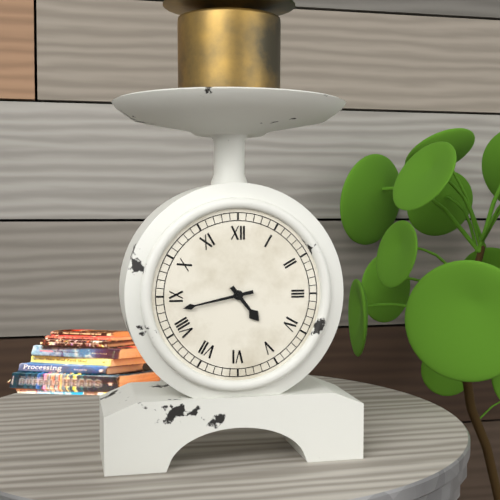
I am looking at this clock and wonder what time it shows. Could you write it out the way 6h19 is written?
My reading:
4h43
